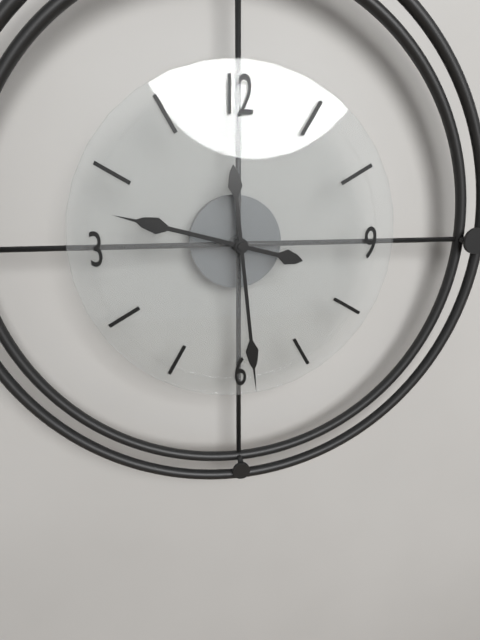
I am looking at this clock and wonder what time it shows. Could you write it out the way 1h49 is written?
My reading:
9h29
